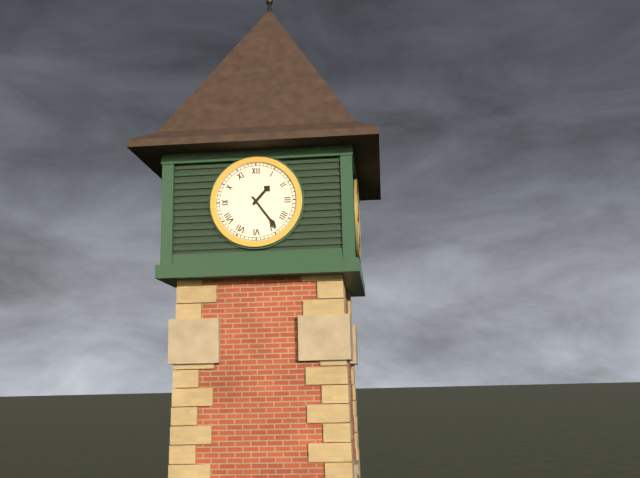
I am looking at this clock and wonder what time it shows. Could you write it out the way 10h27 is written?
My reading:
1h24
